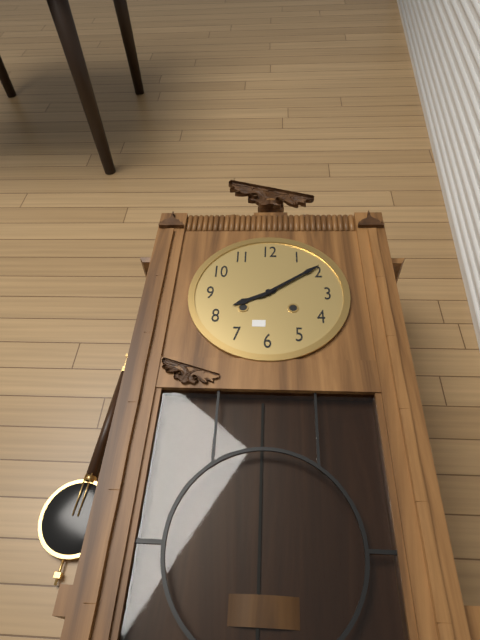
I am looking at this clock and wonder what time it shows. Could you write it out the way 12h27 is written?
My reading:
8h09
